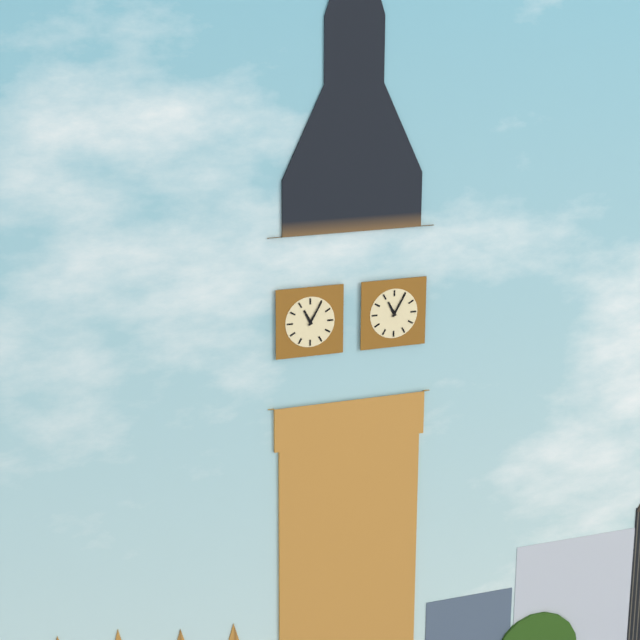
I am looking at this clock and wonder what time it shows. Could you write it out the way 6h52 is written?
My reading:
11h05
